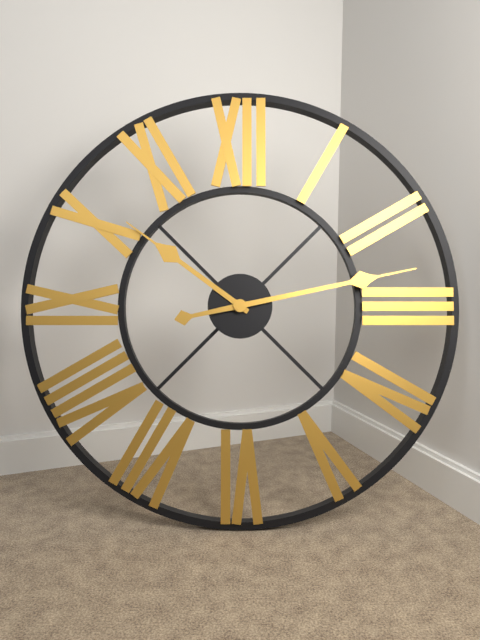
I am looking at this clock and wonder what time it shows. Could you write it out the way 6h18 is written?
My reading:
10h13
